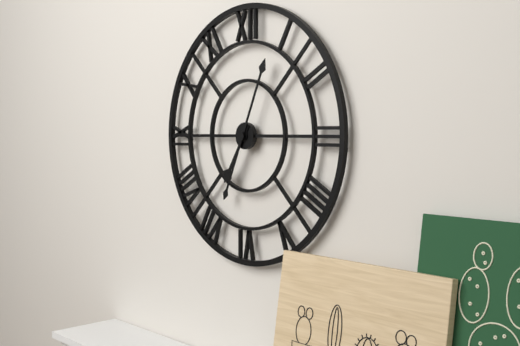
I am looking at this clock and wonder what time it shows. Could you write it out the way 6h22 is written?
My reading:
7h04
